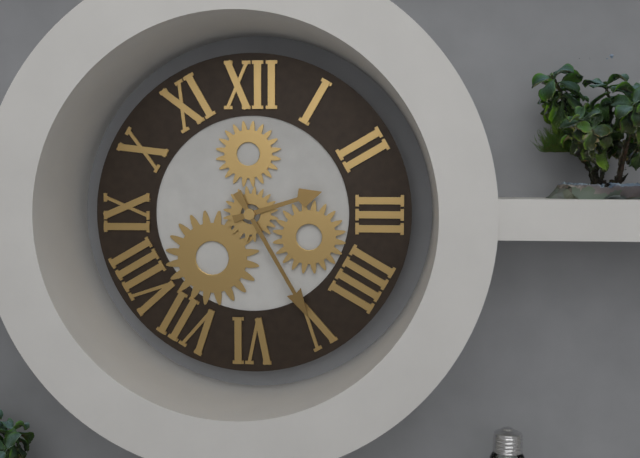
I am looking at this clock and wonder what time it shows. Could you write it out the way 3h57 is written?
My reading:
2h25
